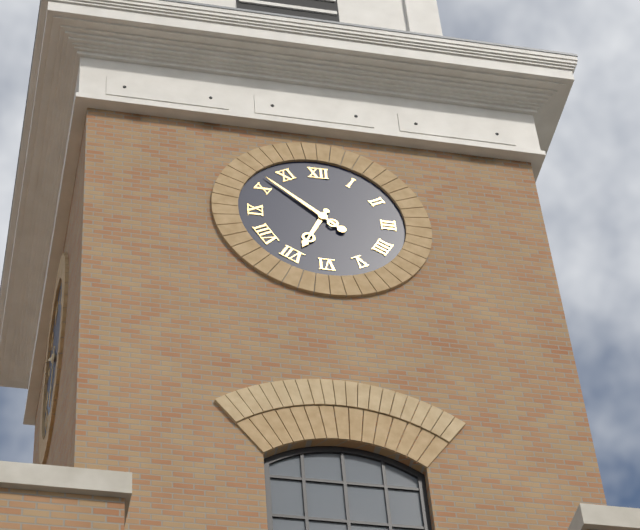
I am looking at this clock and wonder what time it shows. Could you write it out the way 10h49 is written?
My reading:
6h52
